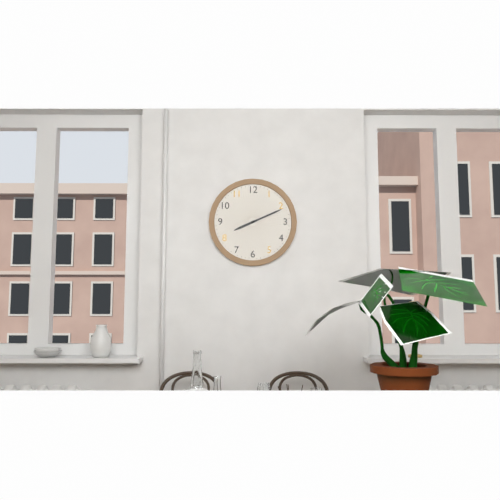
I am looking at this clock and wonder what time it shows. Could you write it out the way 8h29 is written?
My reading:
8h11
